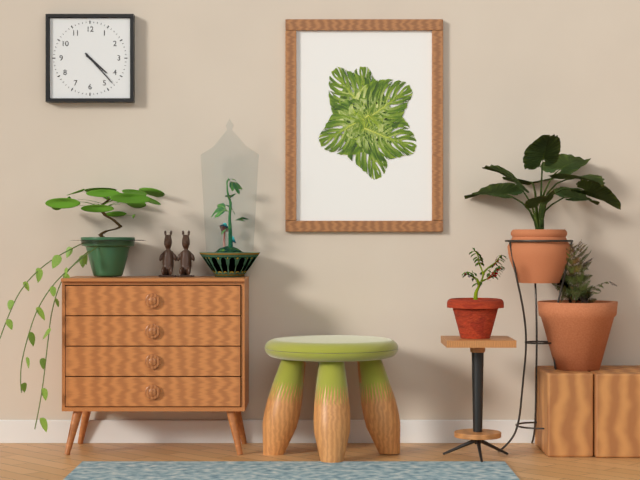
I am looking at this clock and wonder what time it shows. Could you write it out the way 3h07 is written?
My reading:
4h23
